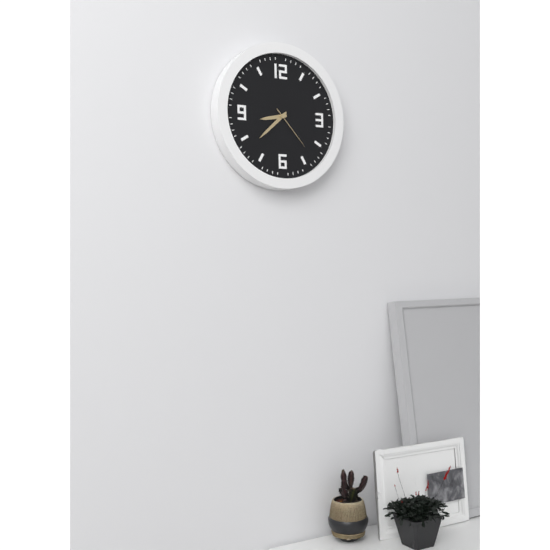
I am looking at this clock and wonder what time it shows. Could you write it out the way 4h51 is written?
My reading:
8h38
